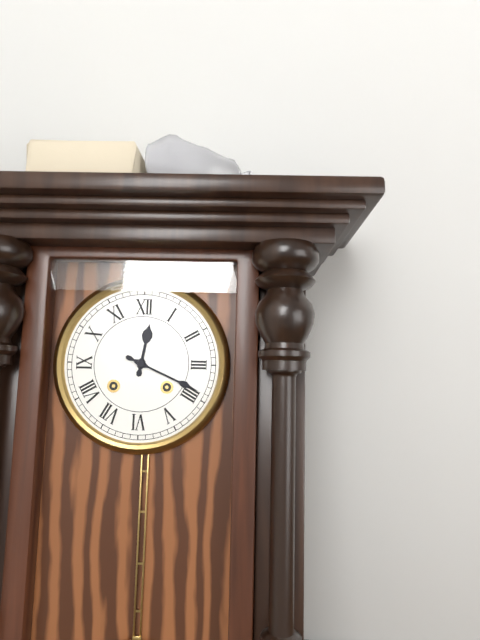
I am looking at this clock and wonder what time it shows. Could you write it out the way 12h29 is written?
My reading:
12h19
